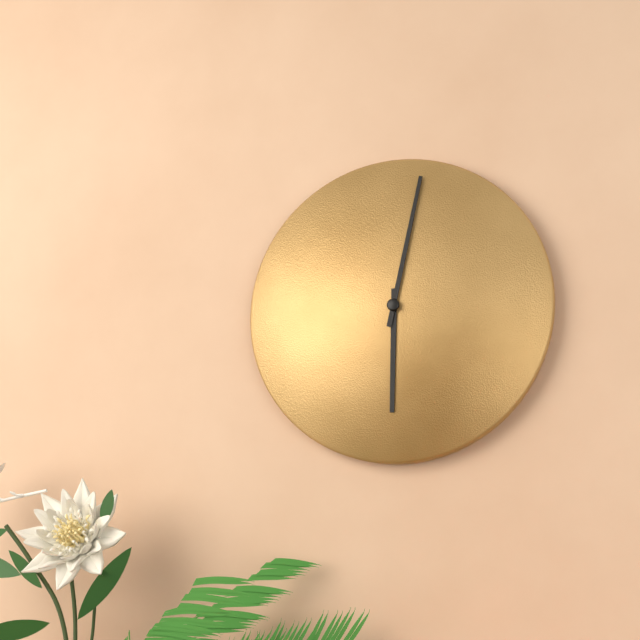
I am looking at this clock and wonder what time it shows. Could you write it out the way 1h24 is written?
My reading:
6h02
